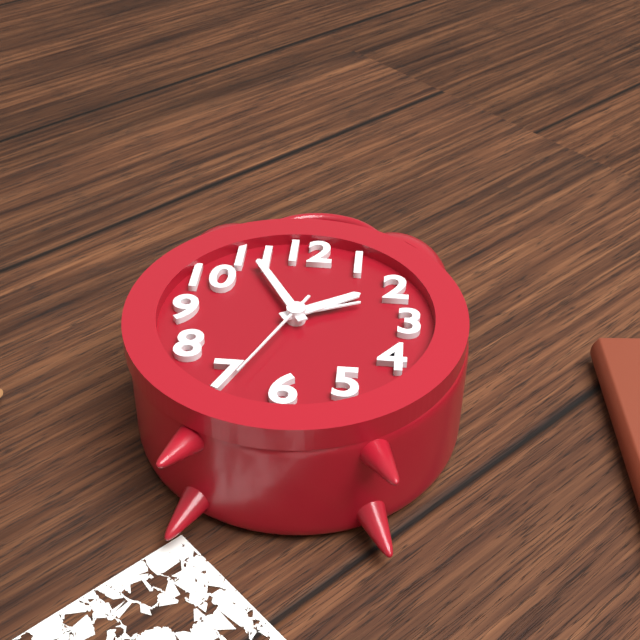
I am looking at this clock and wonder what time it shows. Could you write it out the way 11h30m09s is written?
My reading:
1h55m34s
